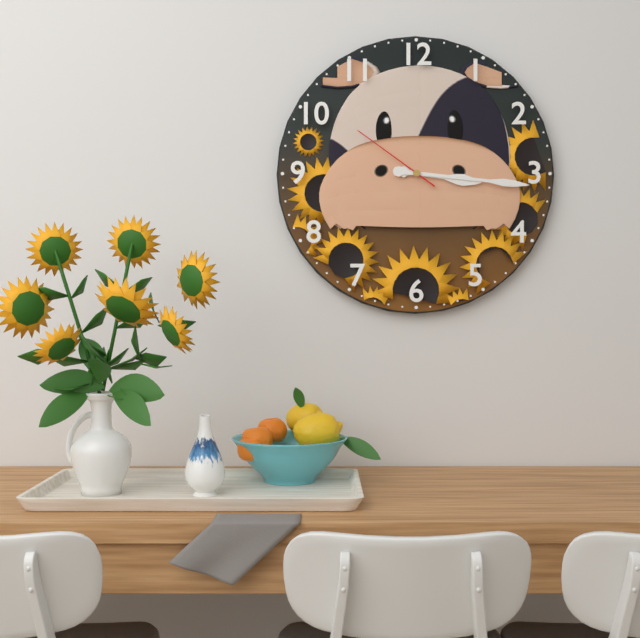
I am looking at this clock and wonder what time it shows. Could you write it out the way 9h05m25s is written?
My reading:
3h16m51s
